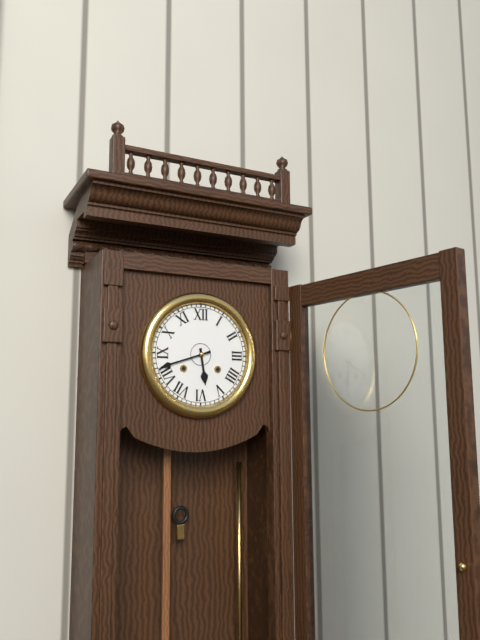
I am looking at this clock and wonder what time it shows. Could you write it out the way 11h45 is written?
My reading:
5h42
